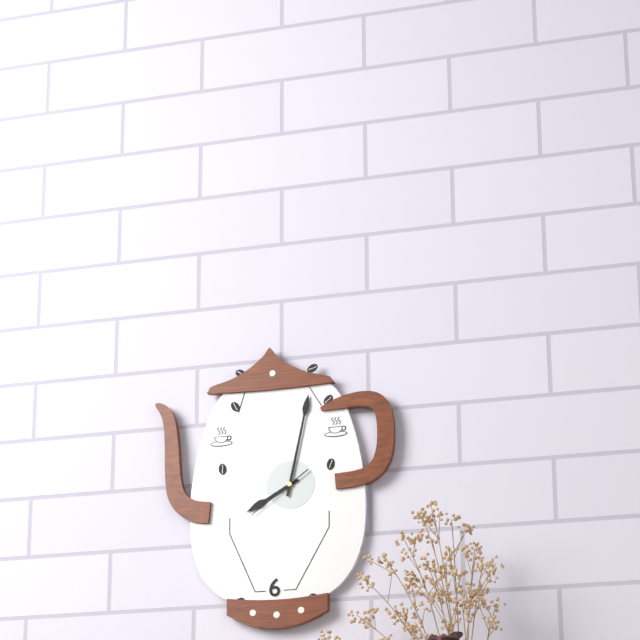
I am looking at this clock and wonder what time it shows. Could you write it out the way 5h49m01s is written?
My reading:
8h02m39s
